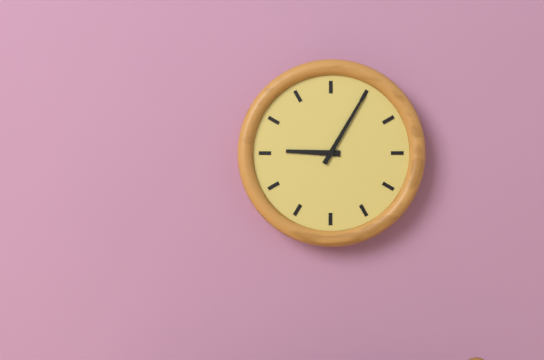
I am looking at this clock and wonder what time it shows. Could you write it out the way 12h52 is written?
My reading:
9h05
